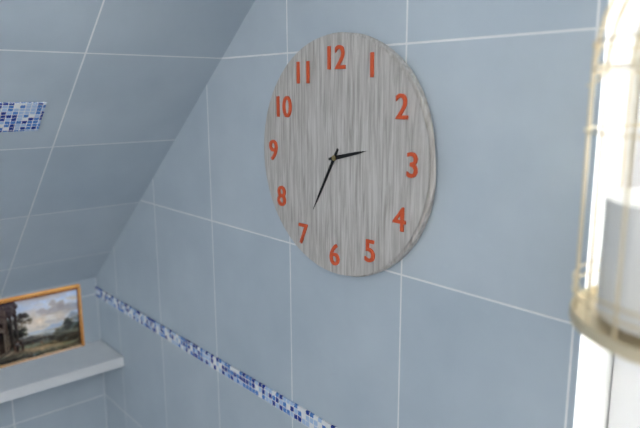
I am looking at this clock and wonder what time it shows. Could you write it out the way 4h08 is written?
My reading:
2h35
